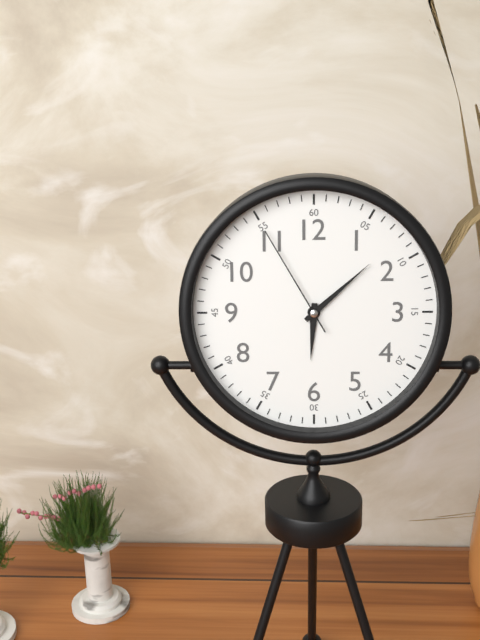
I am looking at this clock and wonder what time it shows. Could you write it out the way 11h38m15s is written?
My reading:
6h08m55s
